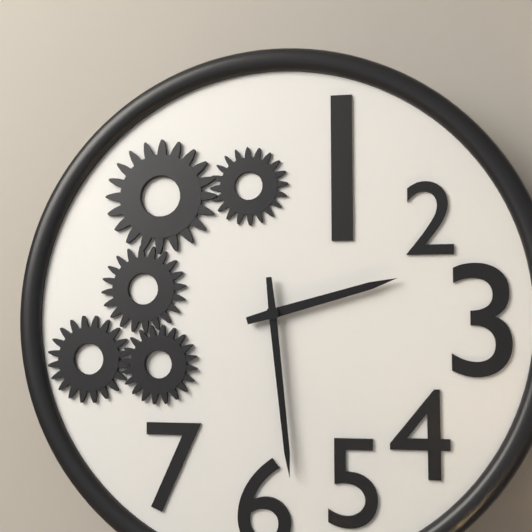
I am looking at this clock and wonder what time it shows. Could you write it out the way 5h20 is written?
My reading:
2h29
